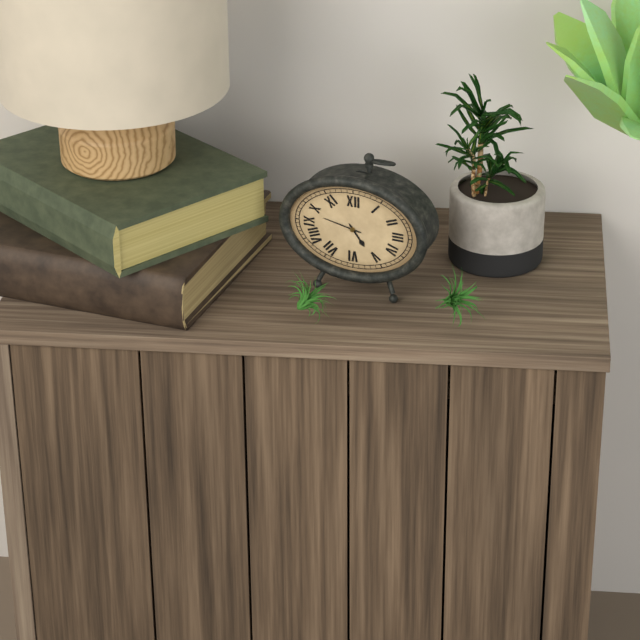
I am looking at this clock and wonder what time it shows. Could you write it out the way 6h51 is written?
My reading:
4h47
